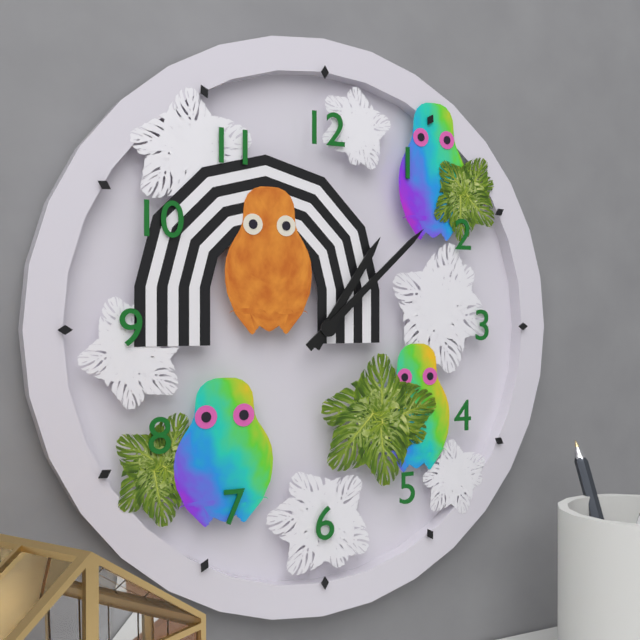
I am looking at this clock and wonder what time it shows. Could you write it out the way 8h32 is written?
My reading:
1h08
